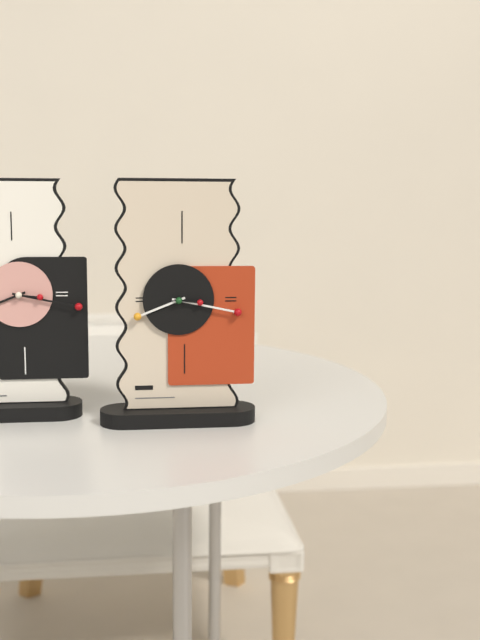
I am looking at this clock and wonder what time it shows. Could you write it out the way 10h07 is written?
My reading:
8h17
